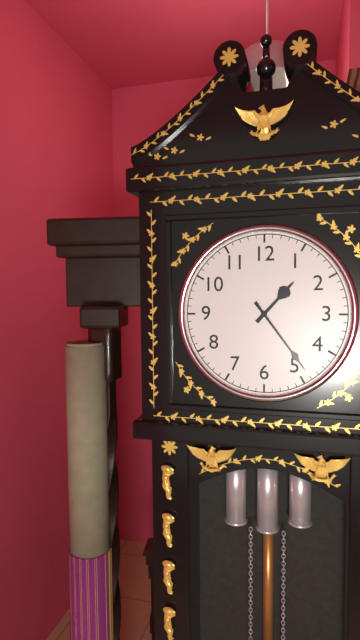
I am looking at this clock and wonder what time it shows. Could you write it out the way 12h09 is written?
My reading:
1h24
